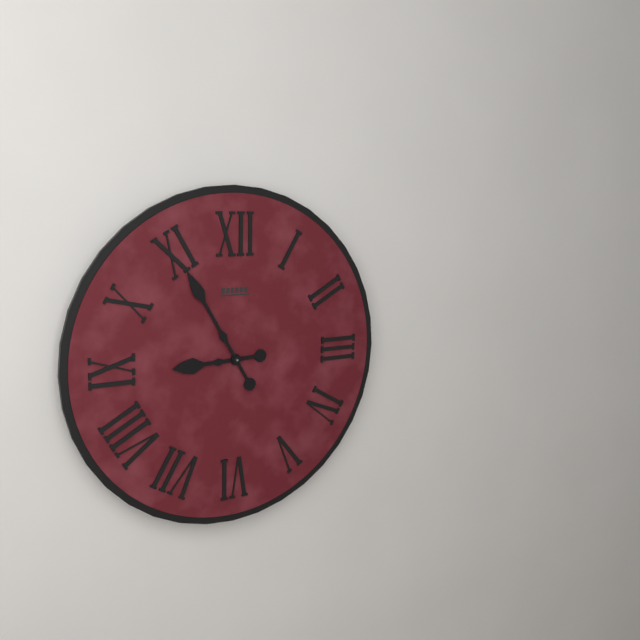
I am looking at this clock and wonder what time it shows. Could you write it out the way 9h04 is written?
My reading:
8h55
